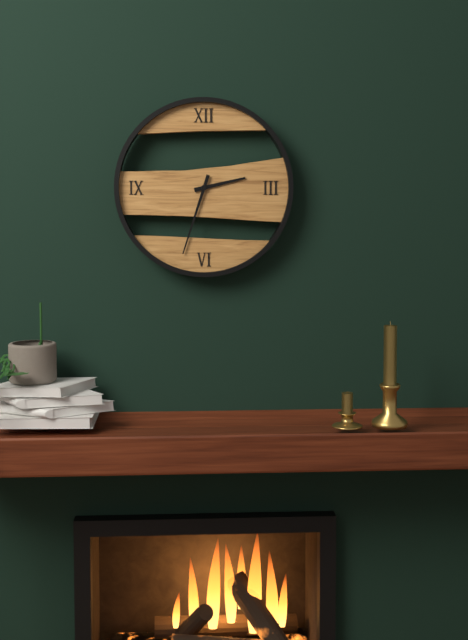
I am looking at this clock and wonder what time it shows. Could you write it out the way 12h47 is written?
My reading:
2h33
